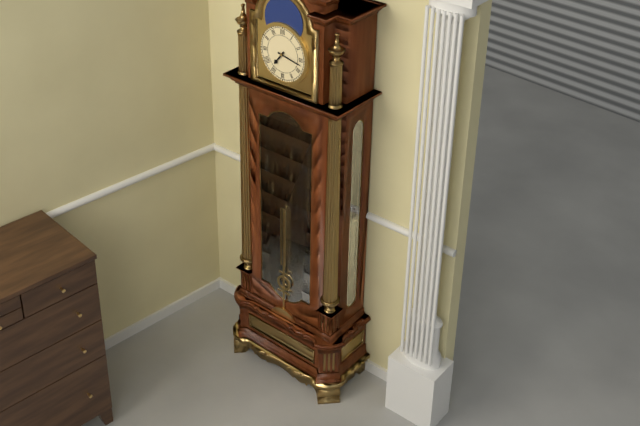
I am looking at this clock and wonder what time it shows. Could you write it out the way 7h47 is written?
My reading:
7h17
